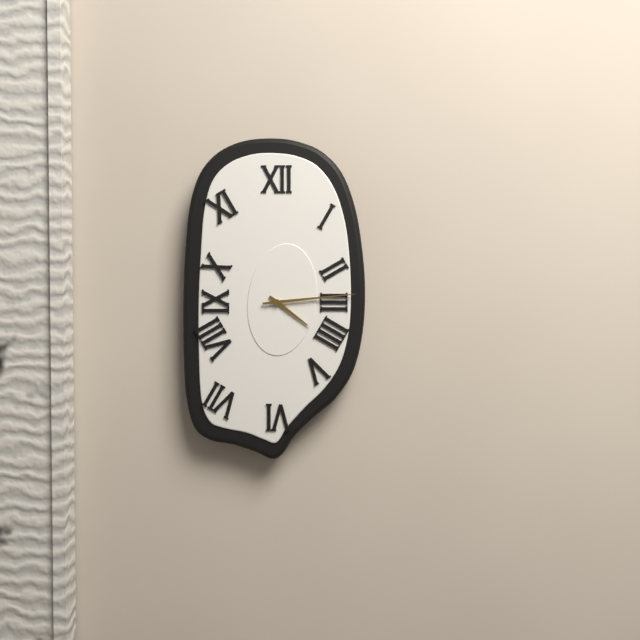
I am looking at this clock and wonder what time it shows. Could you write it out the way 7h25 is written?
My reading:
4h14
